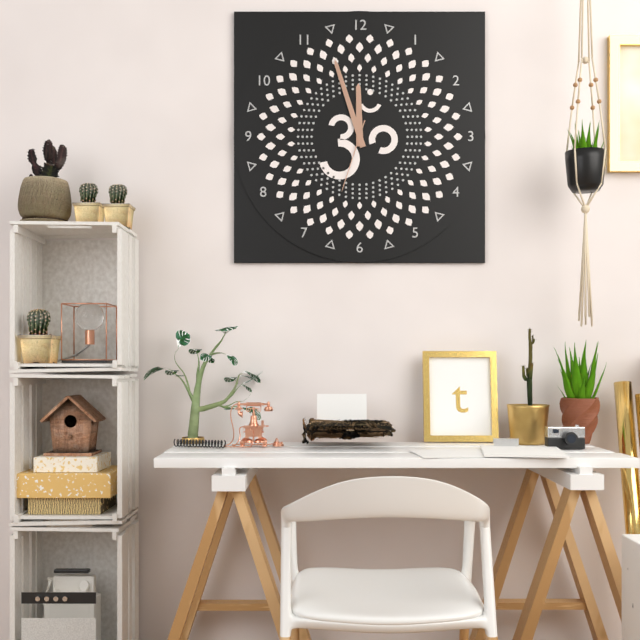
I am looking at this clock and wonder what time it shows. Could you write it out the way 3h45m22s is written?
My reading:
11h57m33s
